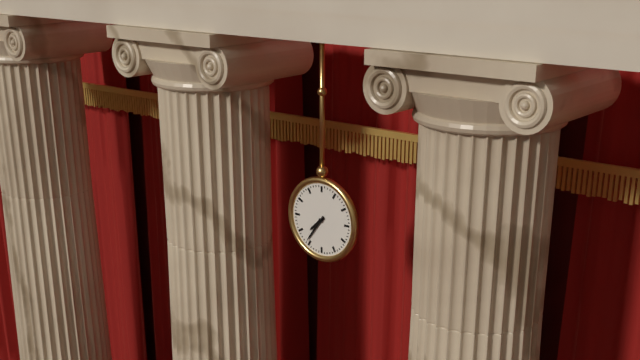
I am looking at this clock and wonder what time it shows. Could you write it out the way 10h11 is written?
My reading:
7h36
